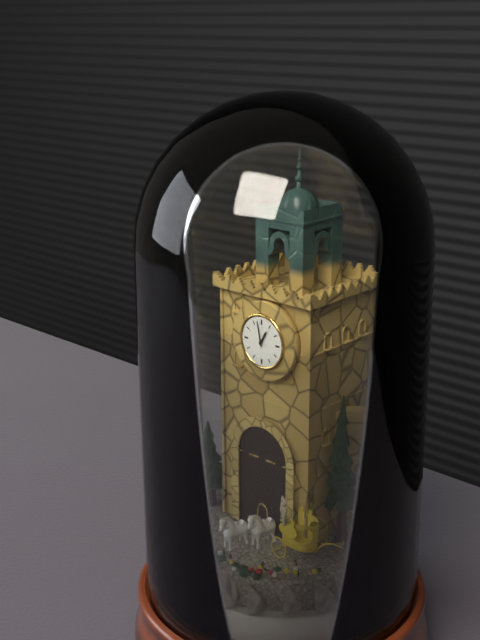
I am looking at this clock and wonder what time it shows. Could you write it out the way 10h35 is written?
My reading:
12h58
